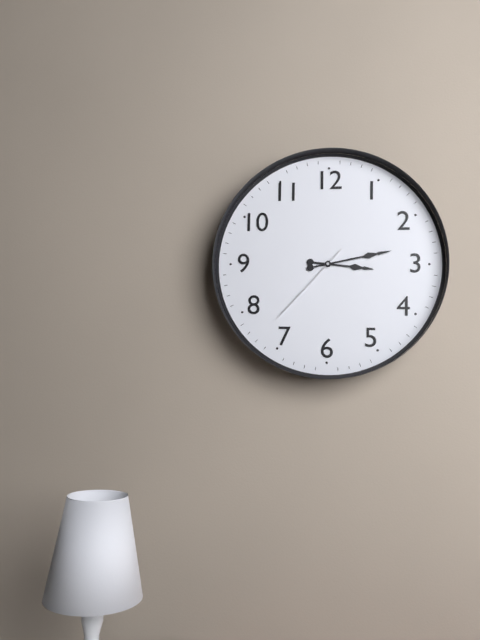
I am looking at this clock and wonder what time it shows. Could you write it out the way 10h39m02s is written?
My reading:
3h13m37s
